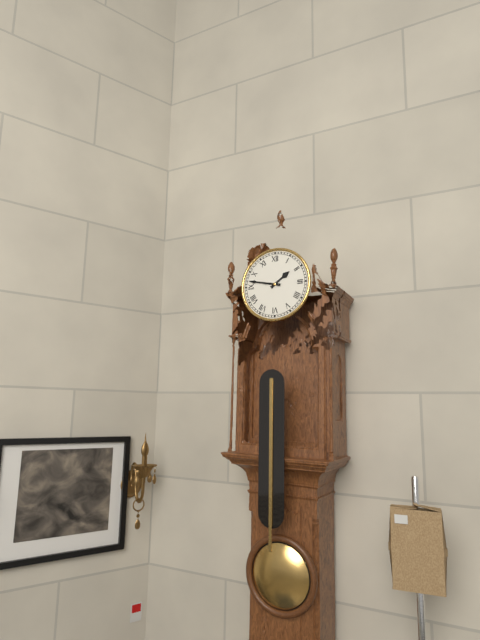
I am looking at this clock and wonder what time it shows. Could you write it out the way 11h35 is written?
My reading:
1h47
